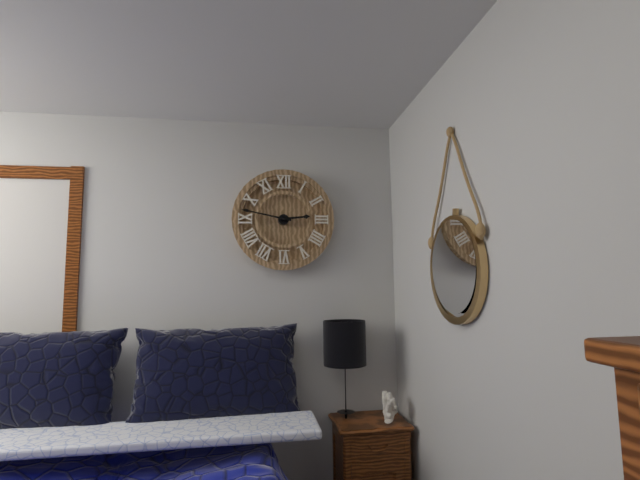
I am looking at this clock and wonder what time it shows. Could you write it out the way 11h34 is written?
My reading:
2h47
